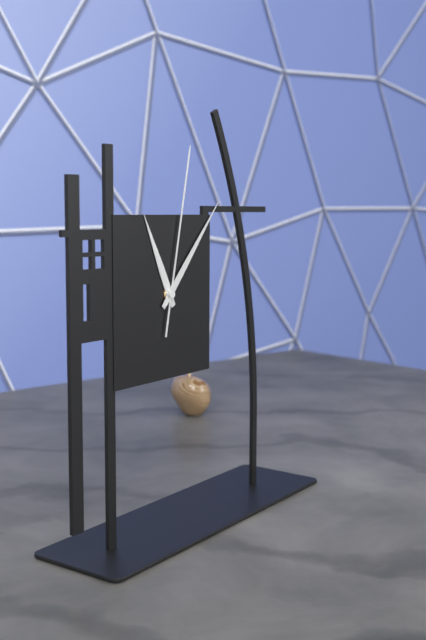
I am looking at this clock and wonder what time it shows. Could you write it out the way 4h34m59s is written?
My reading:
11h07m02s
